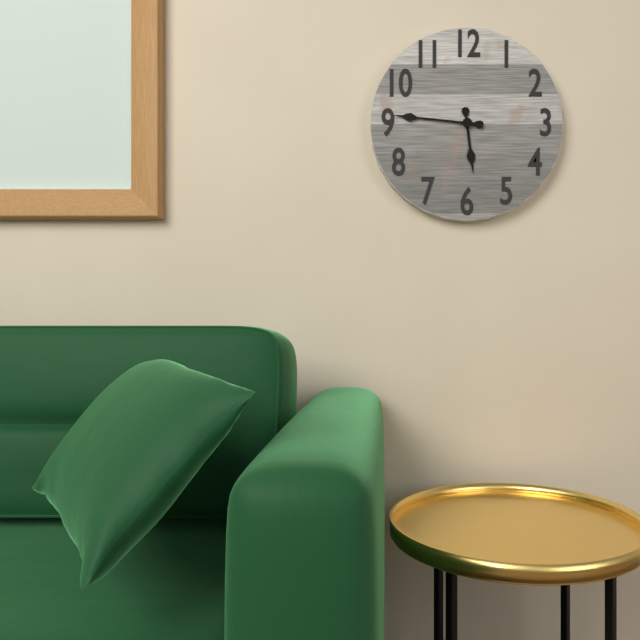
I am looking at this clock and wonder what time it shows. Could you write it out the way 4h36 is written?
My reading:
5h46
